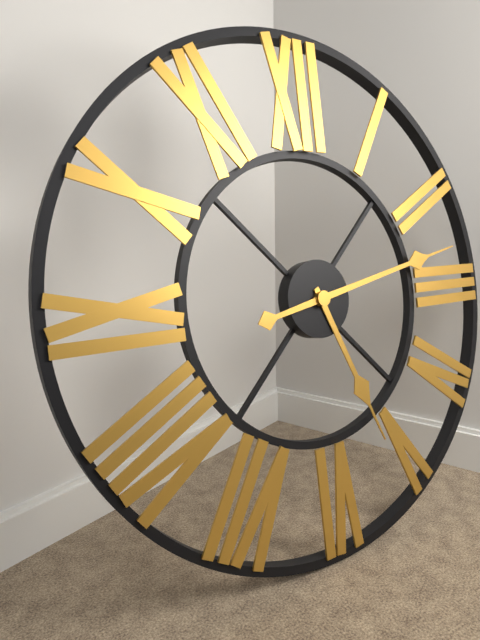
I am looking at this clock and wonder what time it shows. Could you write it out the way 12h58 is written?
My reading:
5h13
